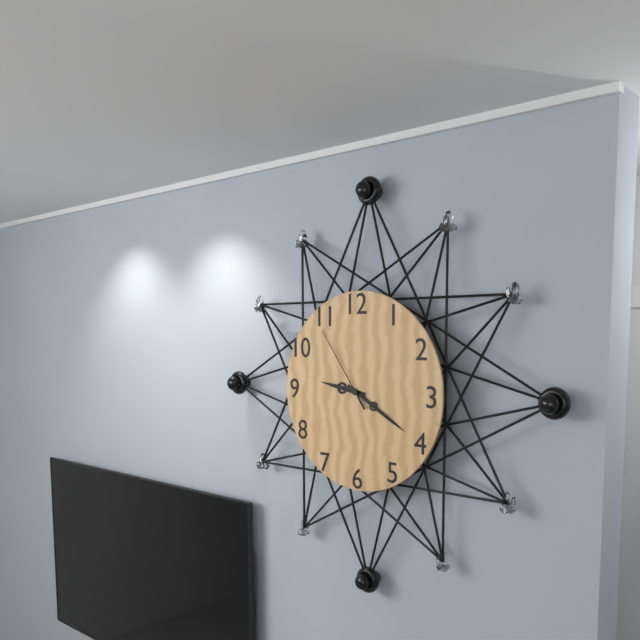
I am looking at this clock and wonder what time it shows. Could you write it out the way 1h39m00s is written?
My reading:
9h20m54s
